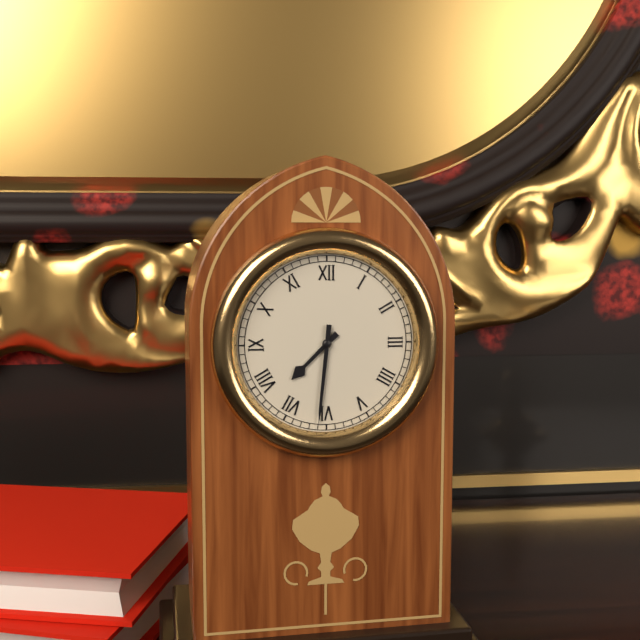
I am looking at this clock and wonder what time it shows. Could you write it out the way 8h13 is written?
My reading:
7h31
